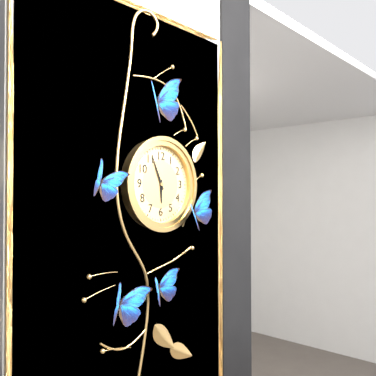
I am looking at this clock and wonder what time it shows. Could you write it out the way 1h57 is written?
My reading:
5h56
